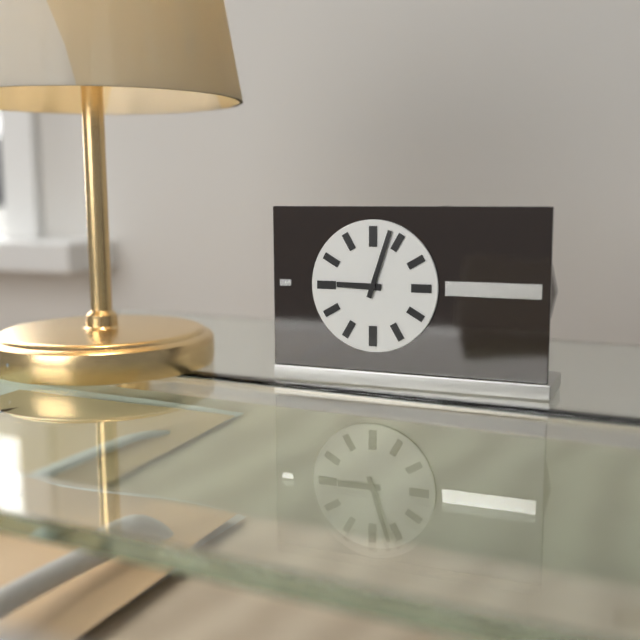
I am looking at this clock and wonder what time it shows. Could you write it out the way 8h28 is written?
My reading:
9h03
